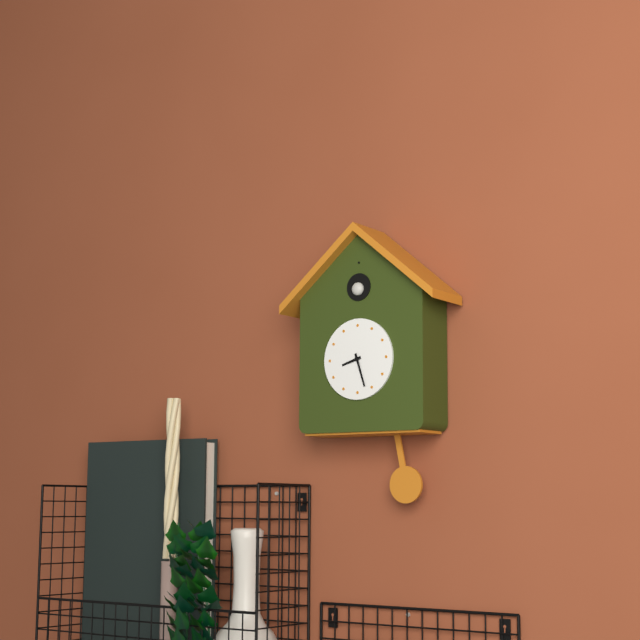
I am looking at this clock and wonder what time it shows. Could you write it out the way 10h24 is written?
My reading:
8h27
